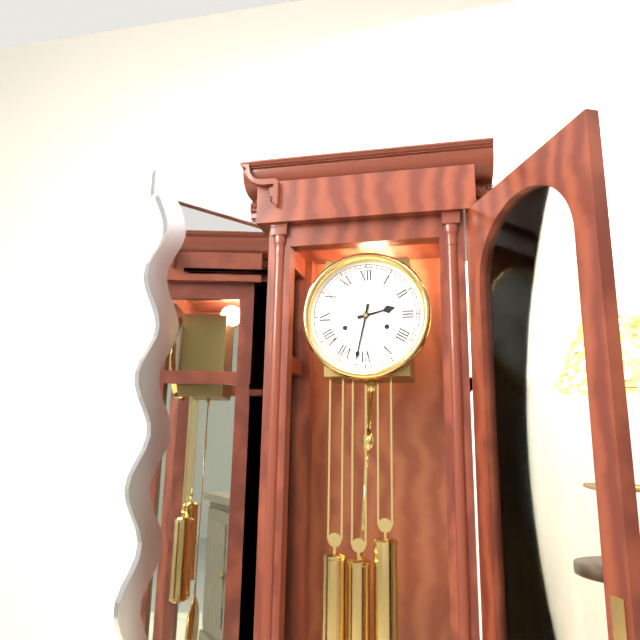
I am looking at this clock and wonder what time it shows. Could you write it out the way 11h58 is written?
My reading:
2h32
